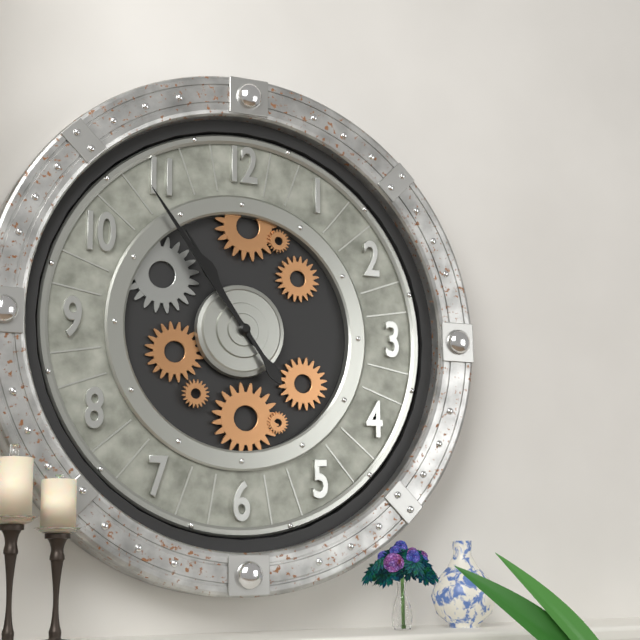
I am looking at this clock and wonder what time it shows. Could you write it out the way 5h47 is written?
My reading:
10h54
